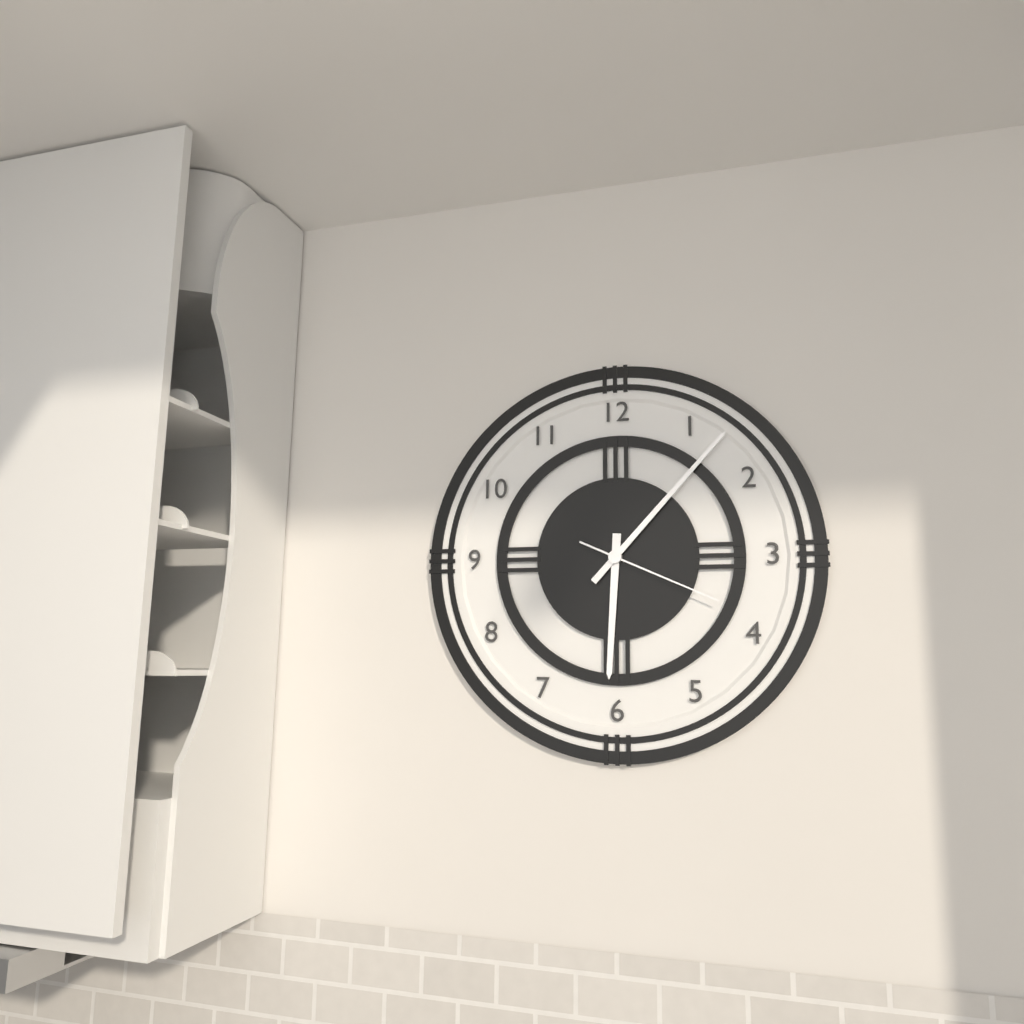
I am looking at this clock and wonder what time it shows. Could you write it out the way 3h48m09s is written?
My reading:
6h07m19s
